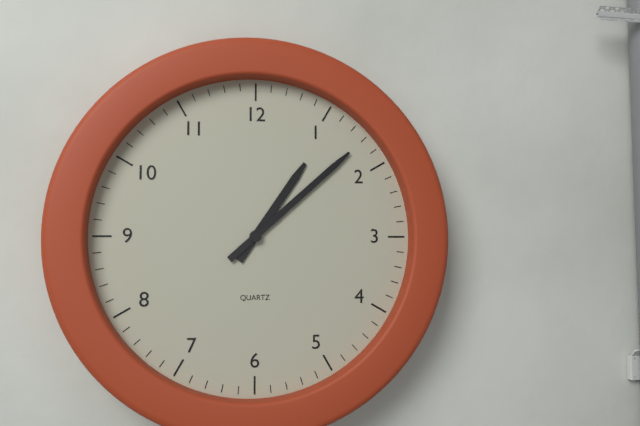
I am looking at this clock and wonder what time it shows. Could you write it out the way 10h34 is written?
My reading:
1h08
